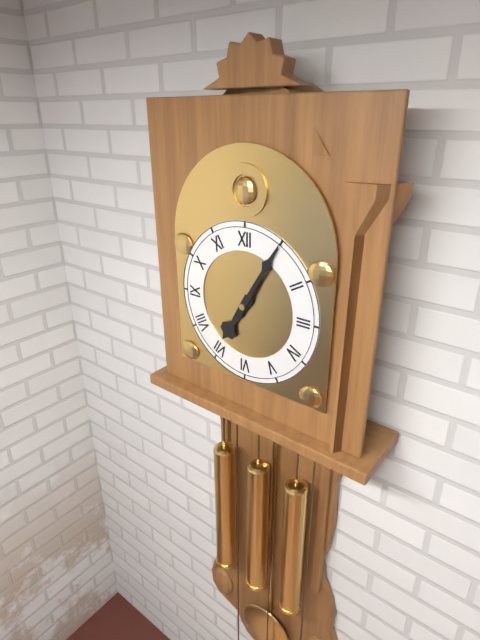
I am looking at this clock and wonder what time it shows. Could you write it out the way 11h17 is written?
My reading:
7h05
